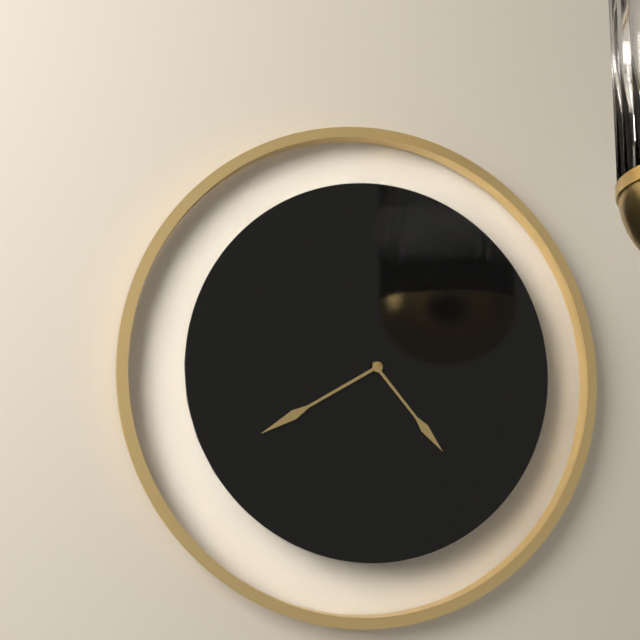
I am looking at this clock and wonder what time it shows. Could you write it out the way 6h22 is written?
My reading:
4h40
